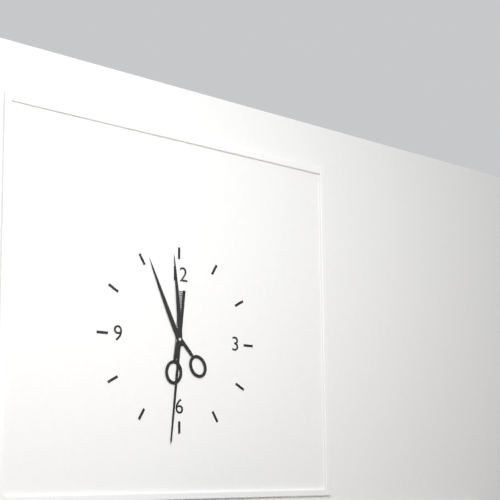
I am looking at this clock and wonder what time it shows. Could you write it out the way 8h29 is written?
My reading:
11h31
